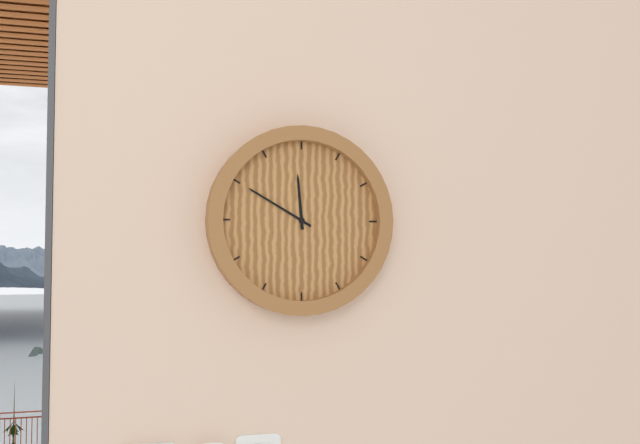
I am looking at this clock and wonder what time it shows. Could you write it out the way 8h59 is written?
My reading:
11h50
